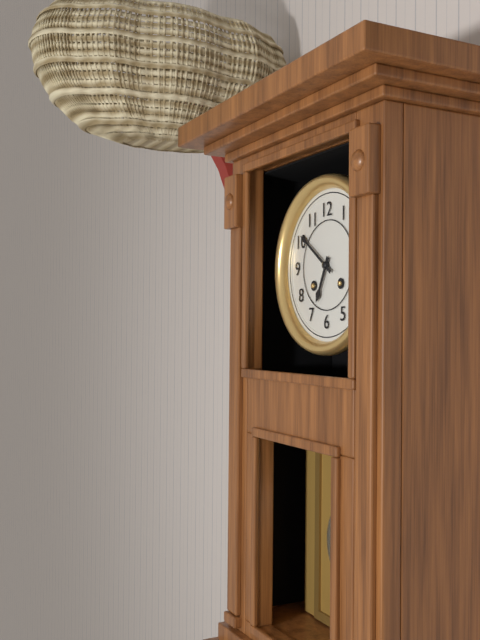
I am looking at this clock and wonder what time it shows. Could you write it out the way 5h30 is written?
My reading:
6h51
